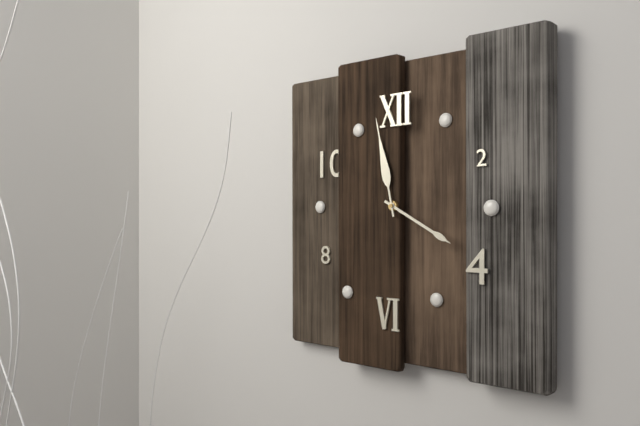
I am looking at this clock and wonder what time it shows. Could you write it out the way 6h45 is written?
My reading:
3h58
